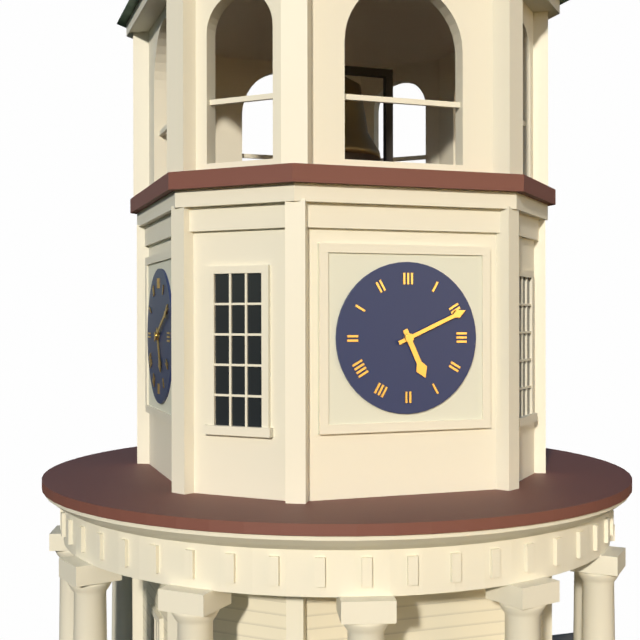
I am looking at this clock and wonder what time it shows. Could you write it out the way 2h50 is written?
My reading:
5h11
